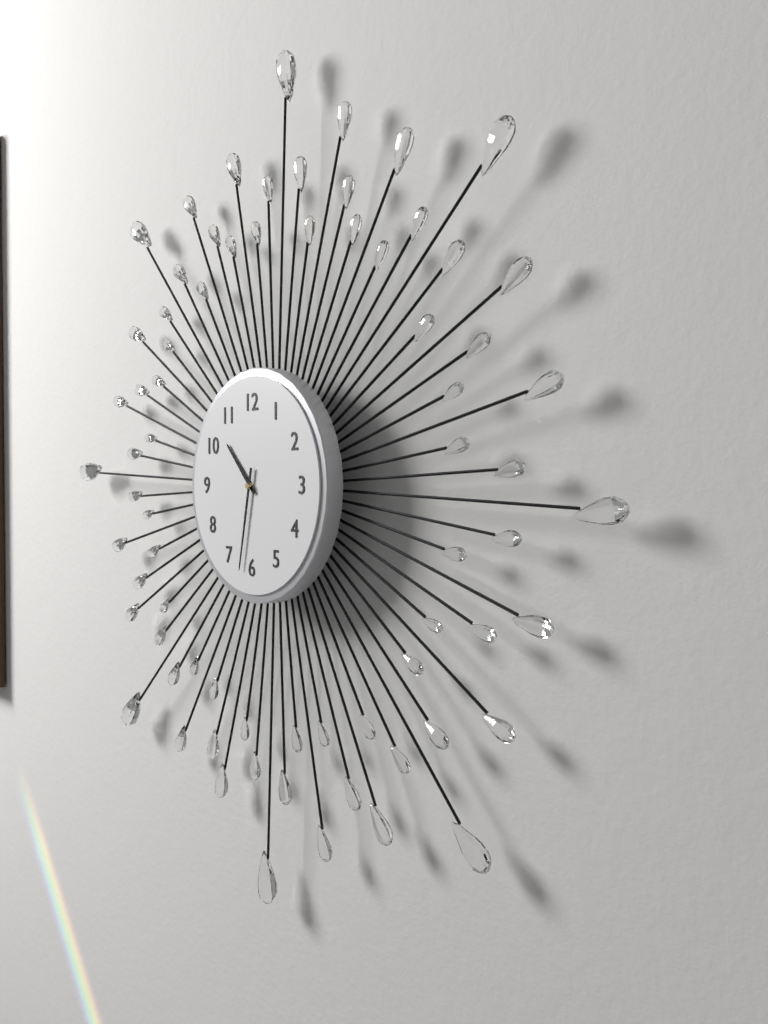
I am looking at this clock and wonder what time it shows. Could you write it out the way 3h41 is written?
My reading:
10h32
